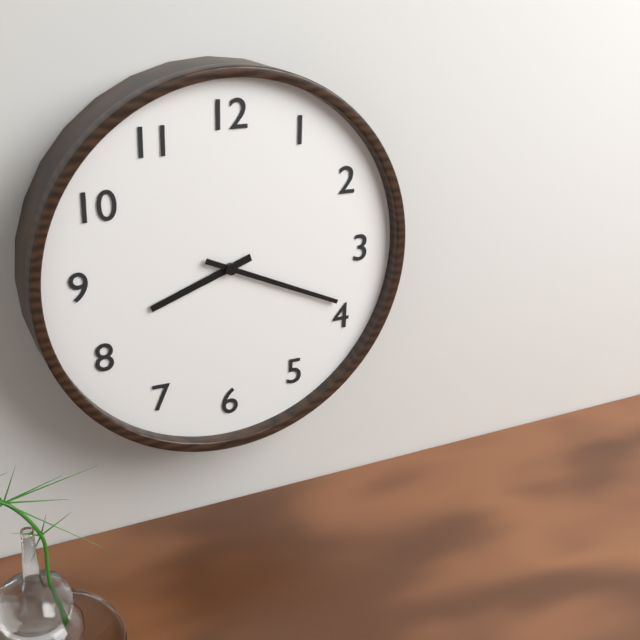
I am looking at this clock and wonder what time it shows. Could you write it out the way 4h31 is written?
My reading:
8h19
